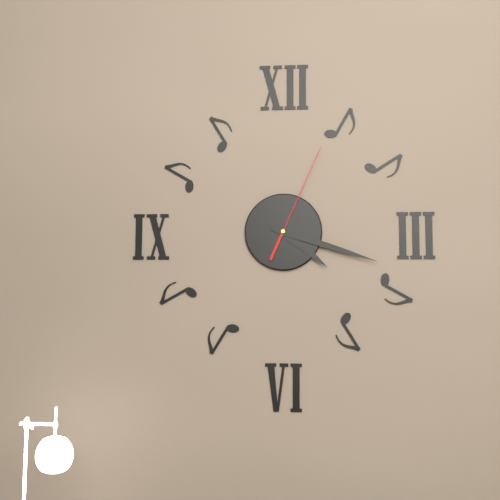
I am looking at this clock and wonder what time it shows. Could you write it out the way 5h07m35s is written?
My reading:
4h18m04s
